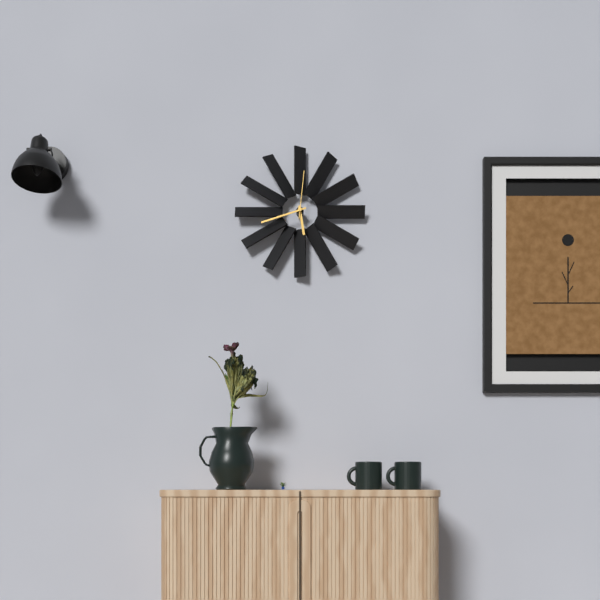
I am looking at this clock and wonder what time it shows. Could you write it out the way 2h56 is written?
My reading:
5h42
